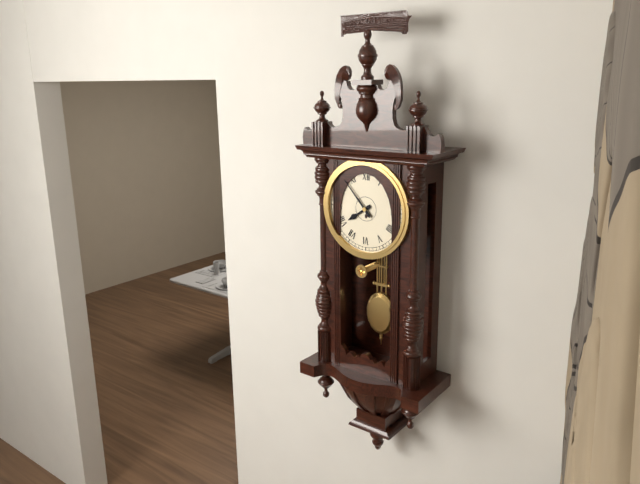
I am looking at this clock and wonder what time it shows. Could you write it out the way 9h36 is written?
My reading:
7h53
